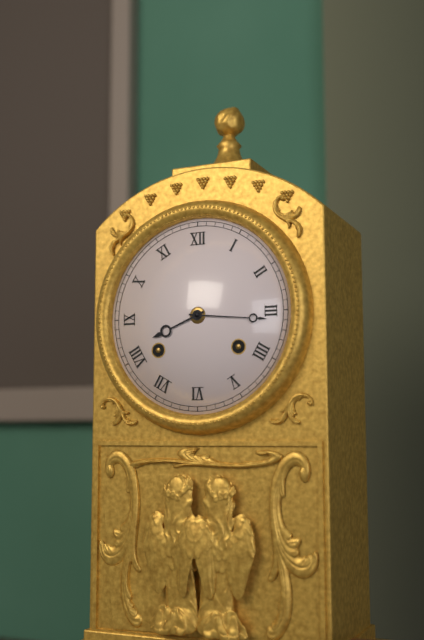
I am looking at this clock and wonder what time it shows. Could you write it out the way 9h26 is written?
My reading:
8h16
